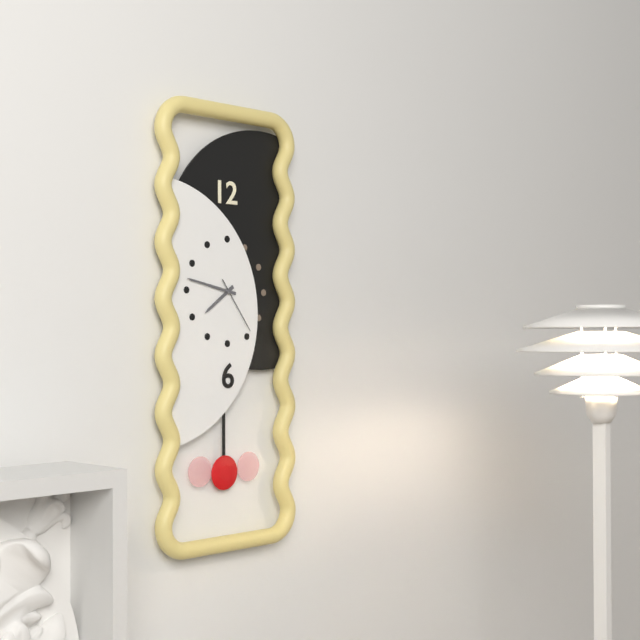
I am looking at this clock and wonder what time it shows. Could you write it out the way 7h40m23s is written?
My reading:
7h47m24s
